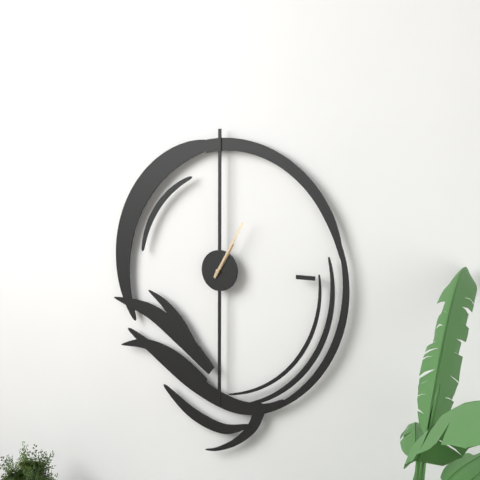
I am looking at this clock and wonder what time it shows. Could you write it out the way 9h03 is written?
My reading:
1h05
